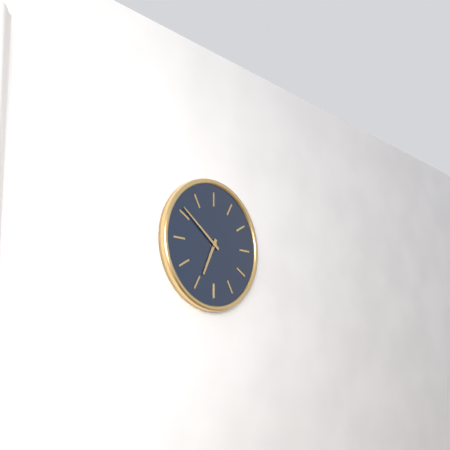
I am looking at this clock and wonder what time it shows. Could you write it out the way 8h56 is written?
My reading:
6h51
